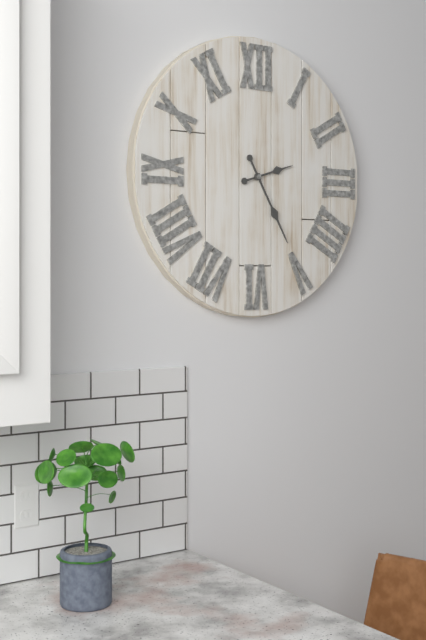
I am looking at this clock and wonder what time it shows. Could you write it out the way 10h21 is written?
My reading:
2h25
